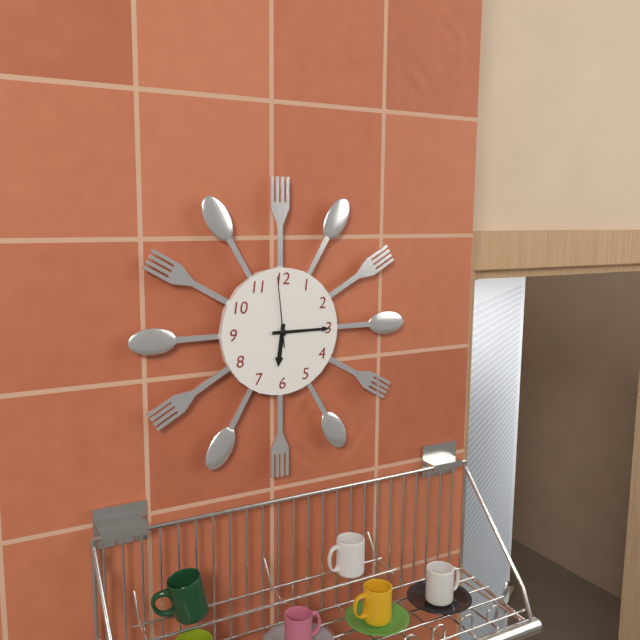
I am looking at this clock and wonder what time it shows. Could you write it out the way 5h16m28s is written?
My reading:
6h15m59s
